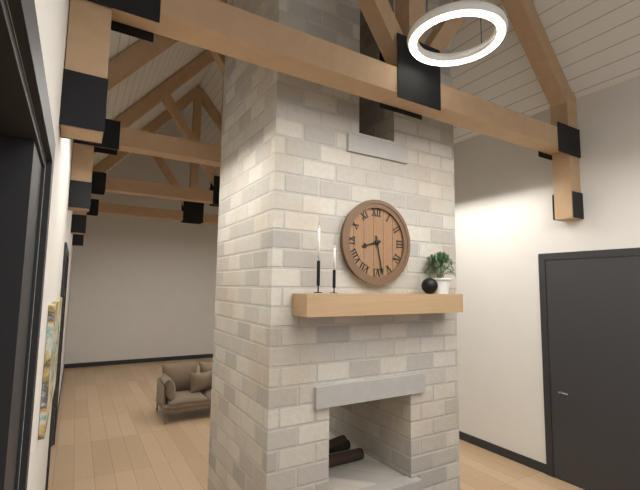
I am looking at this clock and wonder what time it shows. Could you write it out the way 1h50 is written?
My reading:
8h28
